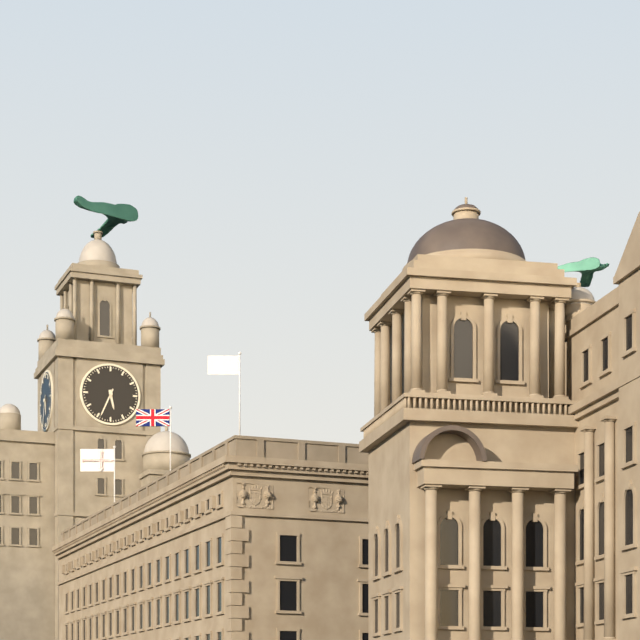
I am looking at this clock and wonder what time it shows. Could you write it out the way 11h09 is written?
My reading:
5h34
